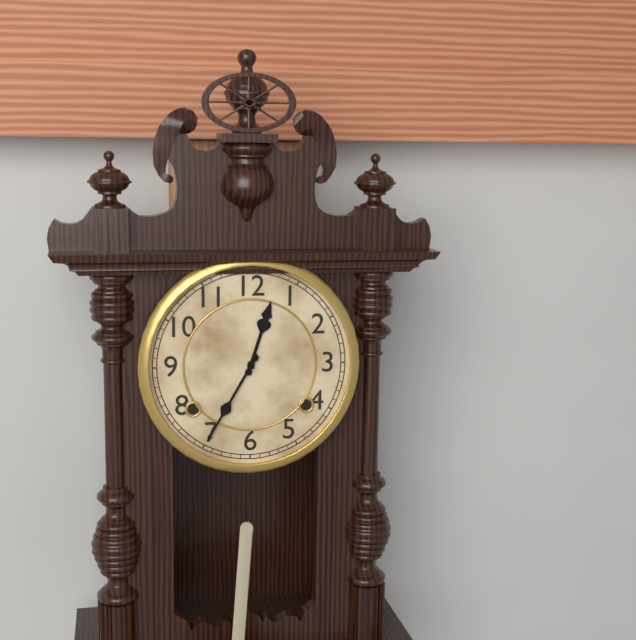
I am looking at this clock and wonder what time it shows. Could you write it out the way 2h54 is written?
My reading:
12h35
